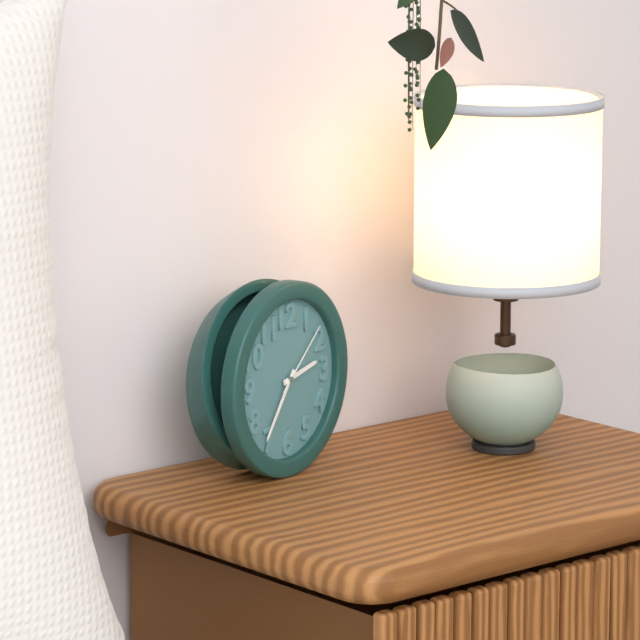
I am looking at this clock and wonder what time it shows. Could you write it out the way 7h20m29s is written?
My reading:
2h36m08s
